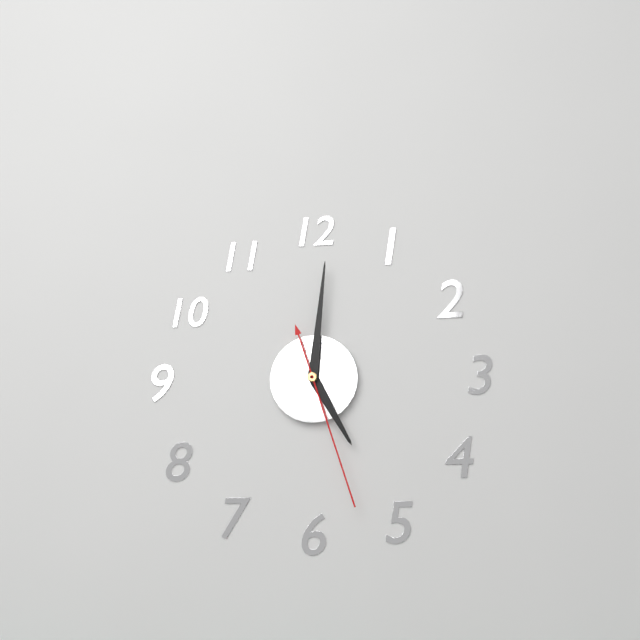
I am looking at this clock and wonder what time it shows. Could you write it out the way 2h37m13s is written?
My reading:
5h01m27s
